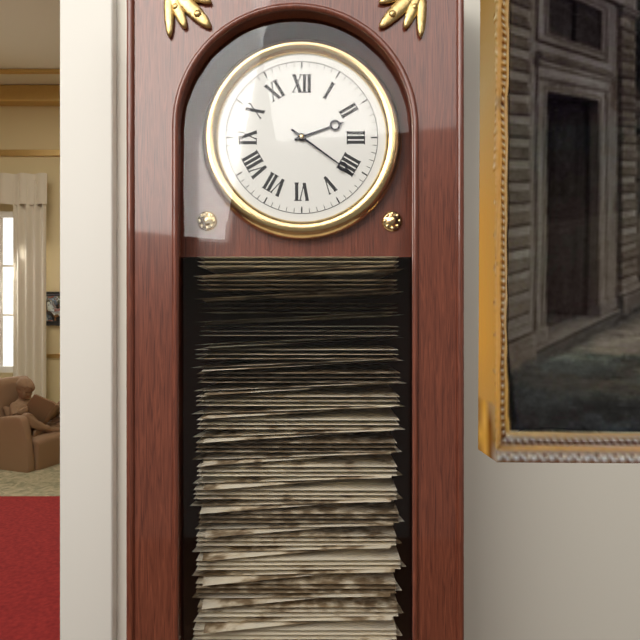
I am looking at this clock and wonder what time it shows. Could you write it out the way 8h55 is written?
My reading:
2h21
